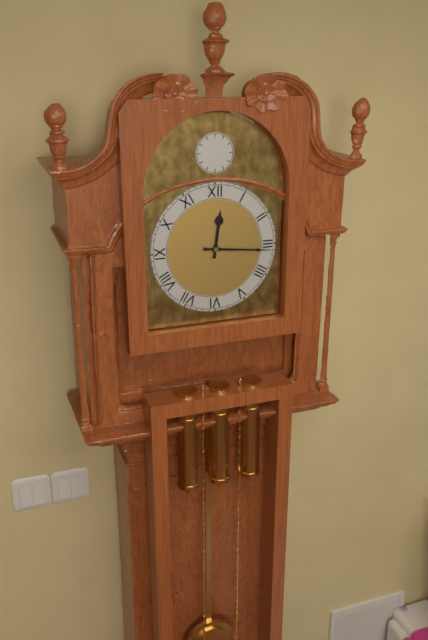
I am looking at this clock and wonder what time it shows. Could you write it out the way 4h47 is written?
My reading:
12h16
